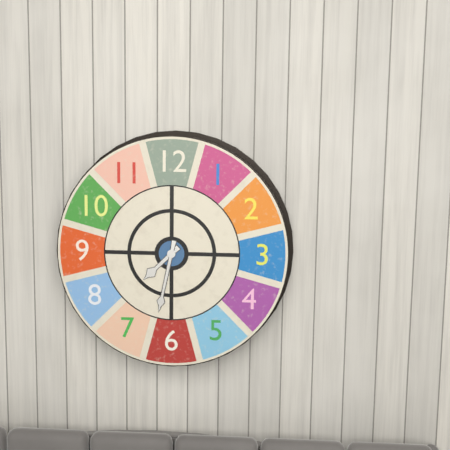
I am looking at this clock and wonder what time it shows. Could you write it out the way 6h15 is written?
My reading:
7h32
